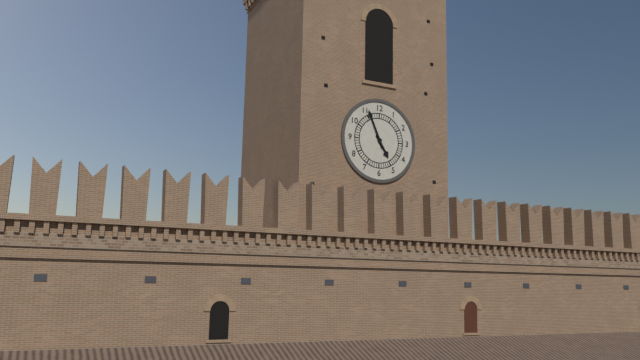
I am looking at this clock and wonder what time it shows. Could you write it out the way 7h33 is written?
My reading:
4h56
